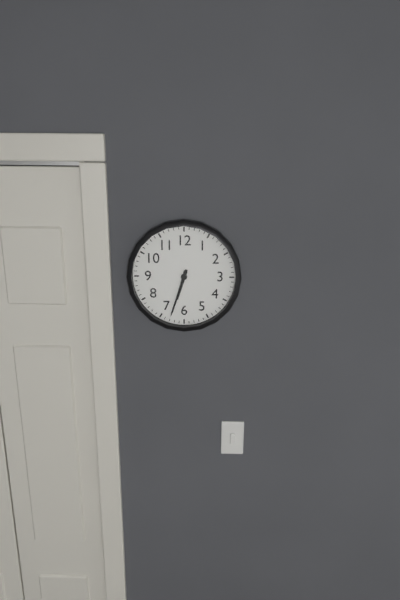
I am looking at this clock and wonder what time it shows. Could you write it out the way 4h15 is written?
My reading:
6h33
